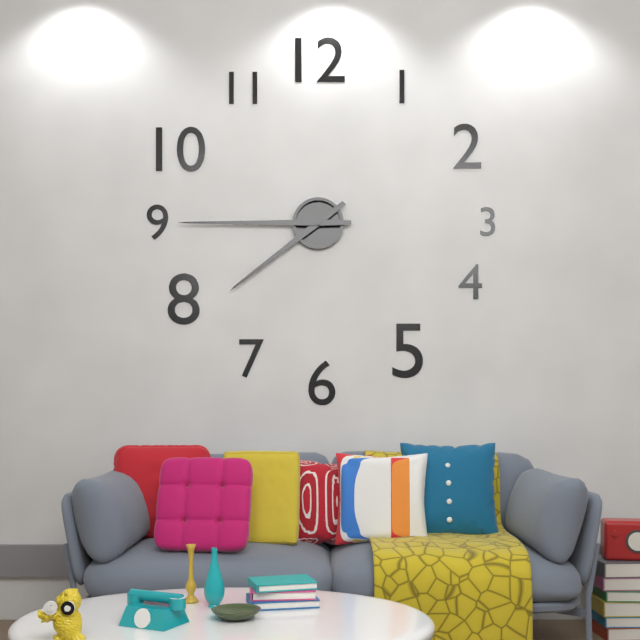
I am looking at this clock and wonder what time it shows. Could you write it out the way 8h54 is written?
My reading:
7h45
